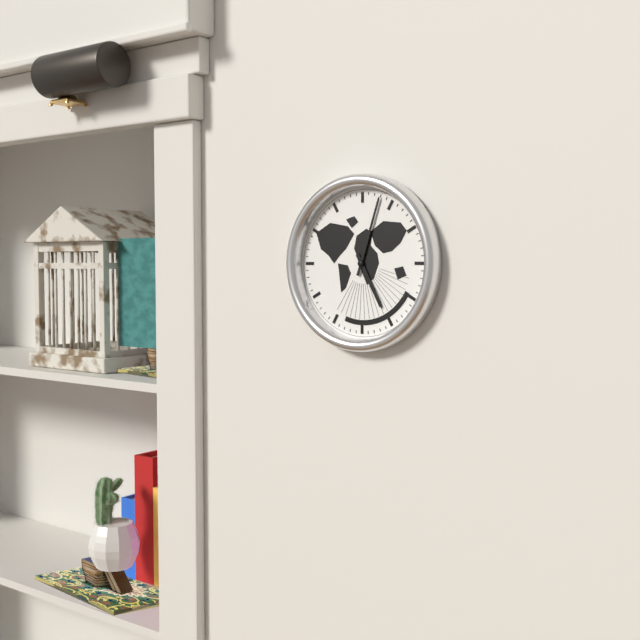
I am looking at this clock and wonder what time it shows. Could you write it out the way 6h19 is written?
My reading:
5h03
